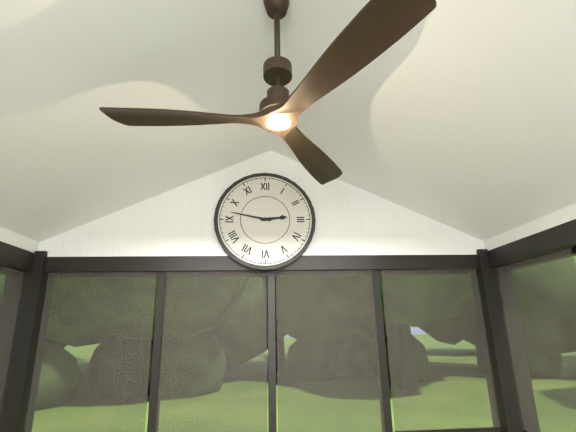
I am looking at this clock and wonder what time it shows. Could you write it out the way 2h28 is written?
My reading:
2h47
